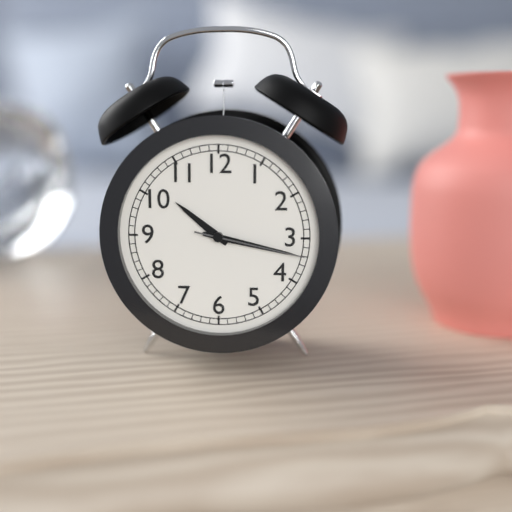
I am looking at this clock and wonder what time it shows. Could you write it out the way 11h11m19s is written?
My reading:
10h17m17s
